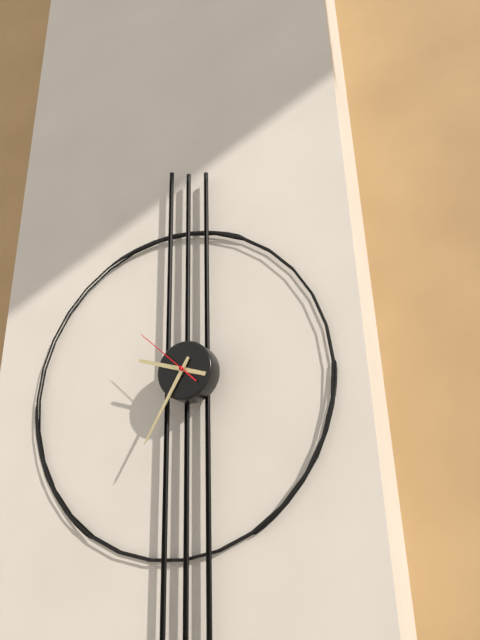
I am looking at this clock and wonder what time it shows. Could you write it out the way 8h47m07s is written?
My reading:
9h35m52s
